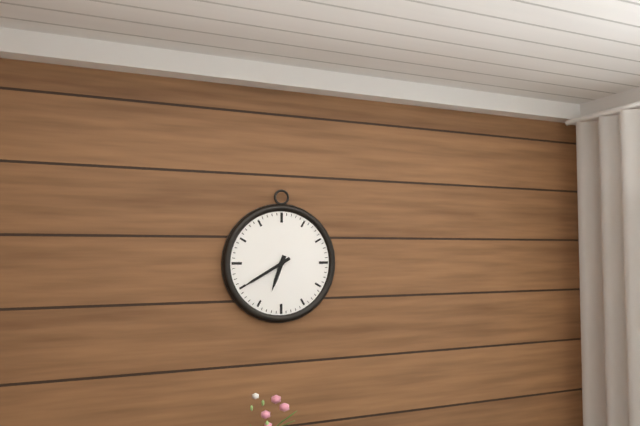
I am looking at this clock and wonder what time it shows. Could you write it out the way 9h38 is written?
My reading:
6h40
